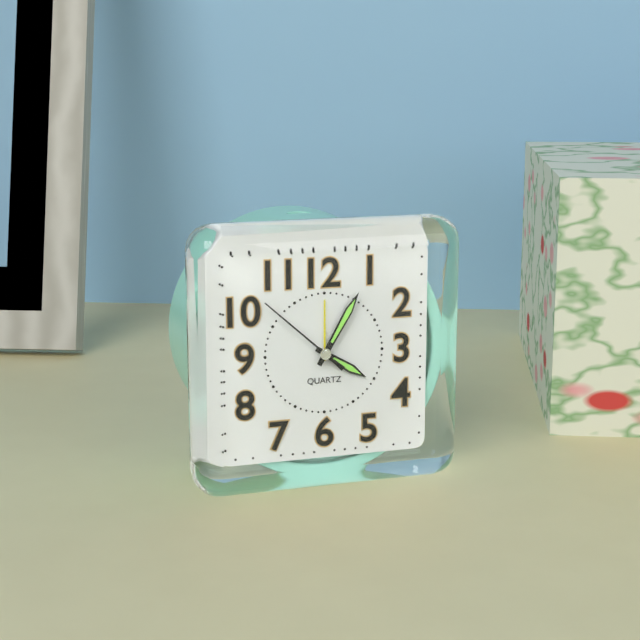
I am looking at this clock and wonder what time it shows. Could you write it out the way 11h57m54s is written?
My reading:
4h05m52s
